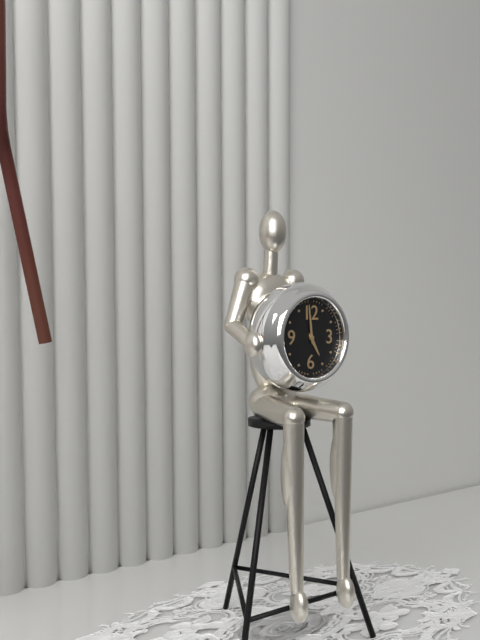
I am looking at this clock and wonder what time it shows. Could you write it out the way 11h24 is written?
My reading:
4h59
